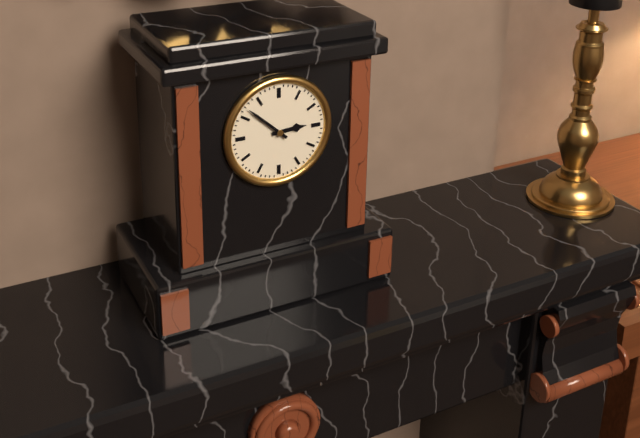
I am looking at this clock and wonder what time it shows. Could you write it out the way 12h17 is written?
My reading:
2h52
